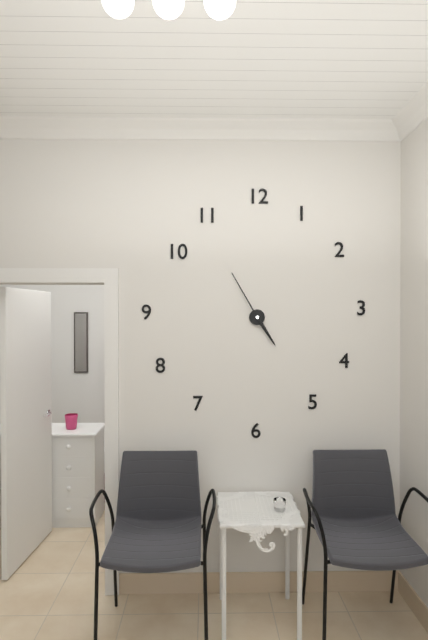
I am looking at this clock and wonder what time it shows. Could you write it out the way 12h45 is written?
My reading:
4h55
